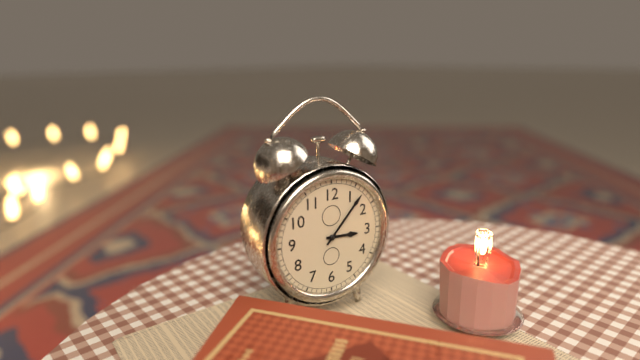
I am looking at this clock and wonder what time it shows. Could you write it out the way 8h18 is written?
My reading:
3h07
